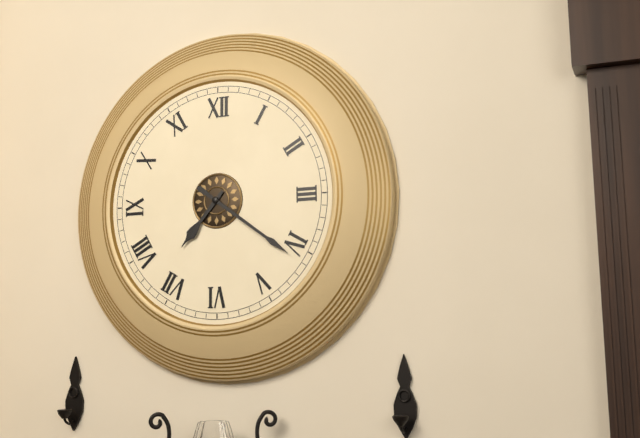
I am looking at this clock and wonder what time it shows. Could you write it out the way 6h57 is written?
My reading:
7h21
